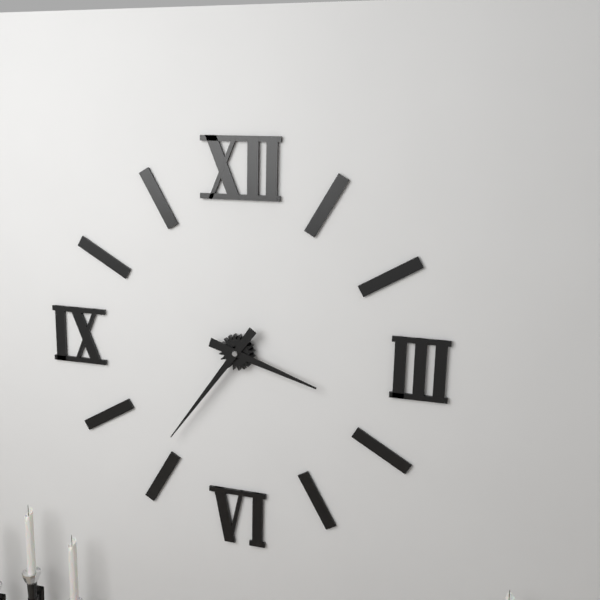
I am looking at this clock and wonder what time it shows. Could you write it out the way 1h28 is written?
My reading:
3h36
